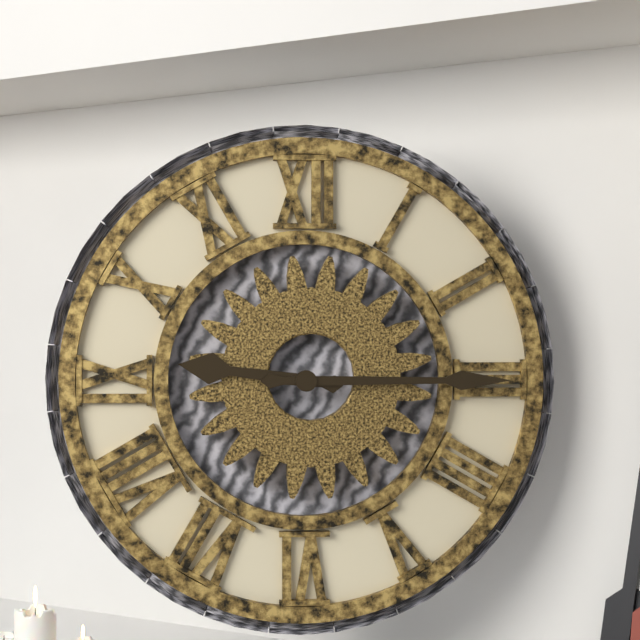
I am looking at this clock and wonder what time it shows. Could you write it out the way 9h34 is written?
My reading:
9h15
